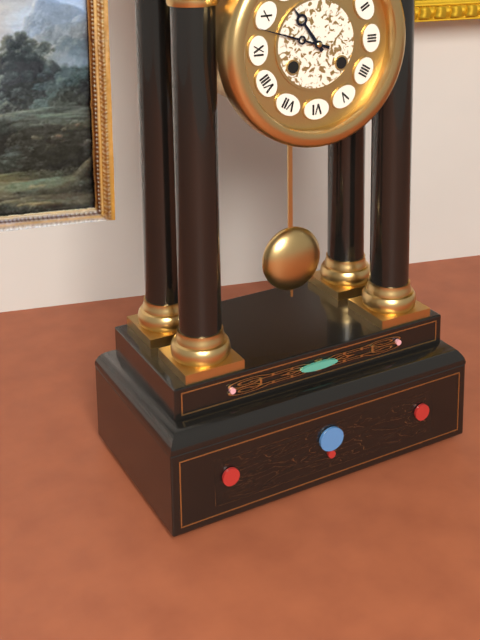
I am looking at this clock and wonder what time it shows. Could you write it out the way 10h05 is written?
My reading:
10h48
